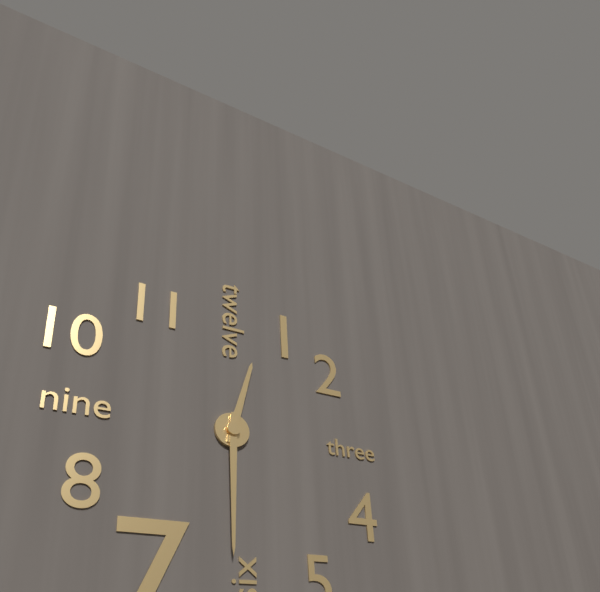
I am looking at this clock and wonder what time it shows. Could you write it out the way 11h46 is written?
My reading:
12h30
